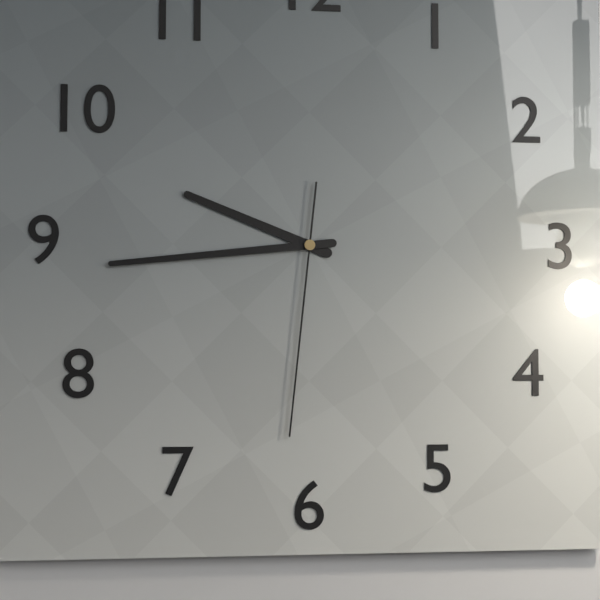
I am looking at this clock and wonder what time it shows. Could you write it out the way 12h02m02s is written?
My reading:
9h44m31s
